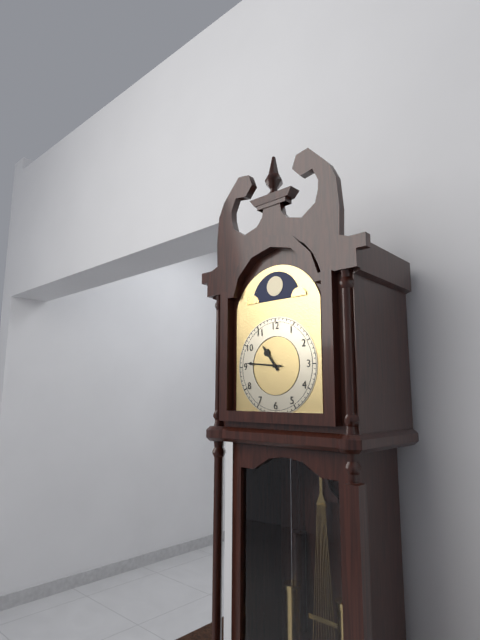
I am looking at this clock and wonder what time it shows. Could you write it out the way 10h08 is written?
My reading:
10h46
